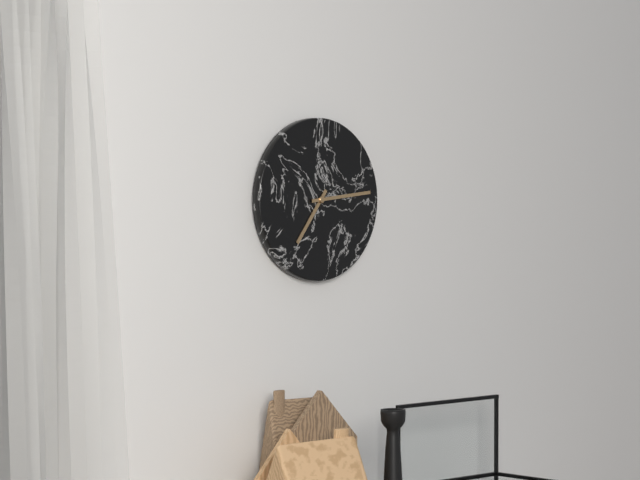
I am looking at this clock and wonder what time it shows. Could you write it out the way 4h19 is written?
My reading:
7h14
